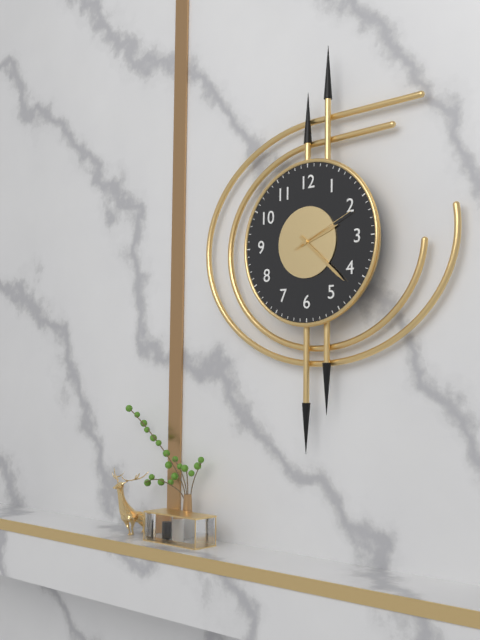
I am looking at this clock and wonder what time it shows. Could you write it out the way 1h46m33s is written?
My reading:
2h22m11s
